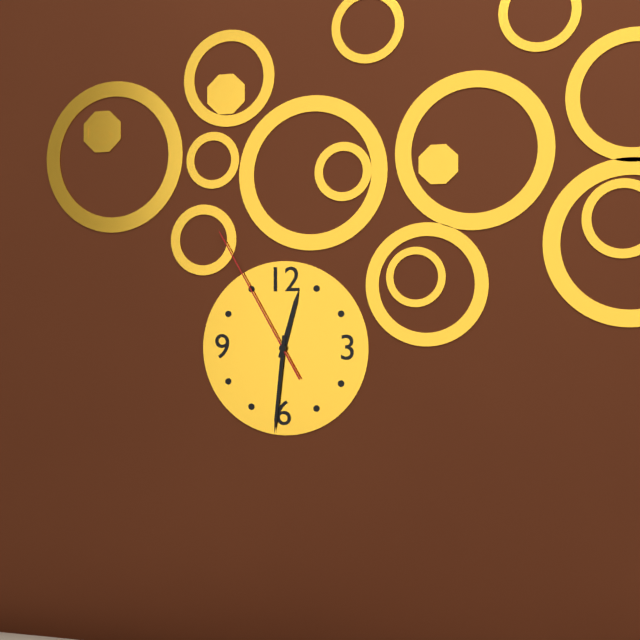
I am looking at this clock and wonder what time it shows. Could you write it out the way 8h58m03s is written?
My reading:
12h31m55s
